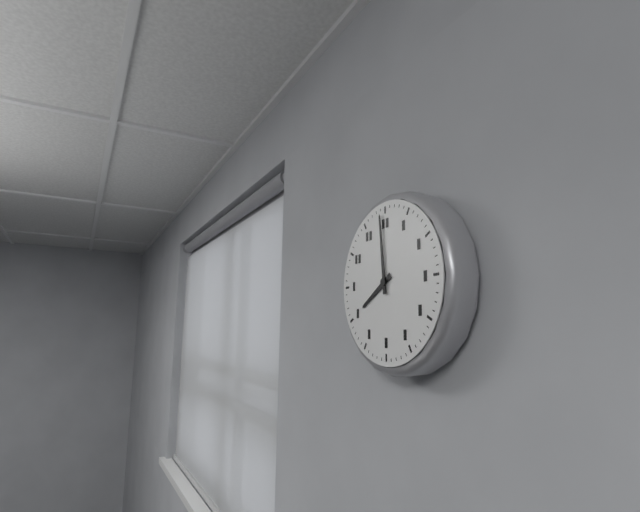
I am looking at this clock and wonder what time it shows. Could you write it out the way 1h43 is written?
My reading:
7h59
